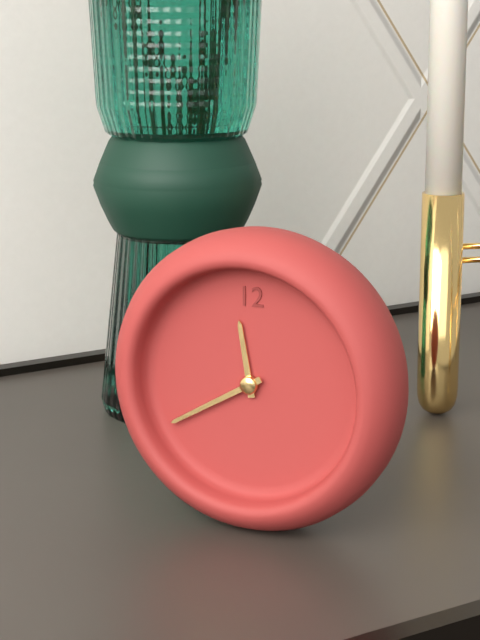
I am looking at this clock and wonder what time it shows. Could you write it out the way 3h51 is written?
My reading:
11h40
